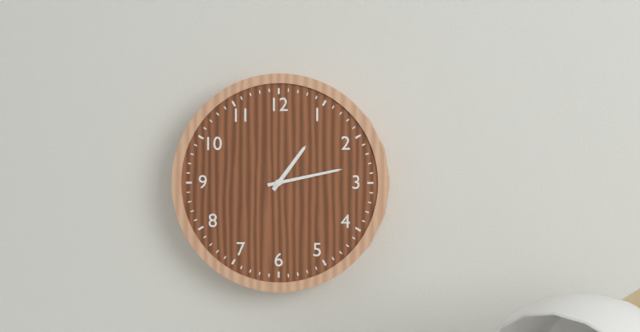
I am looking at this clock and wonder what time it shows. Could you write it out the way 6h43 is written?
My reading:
1h13
